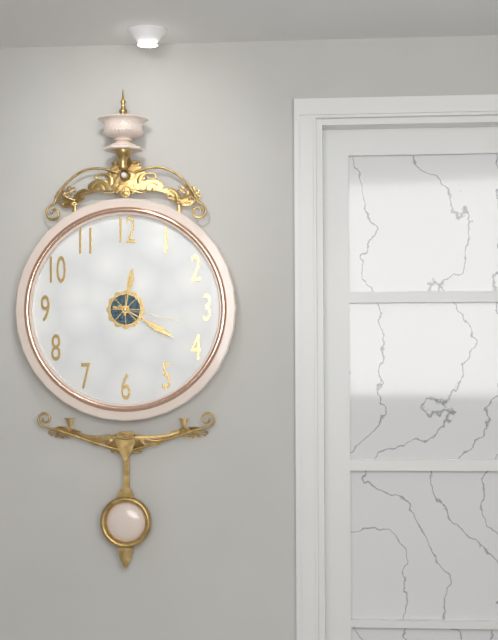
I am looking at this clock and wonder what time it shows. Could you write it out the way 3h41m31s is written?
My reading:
12h20m17s
